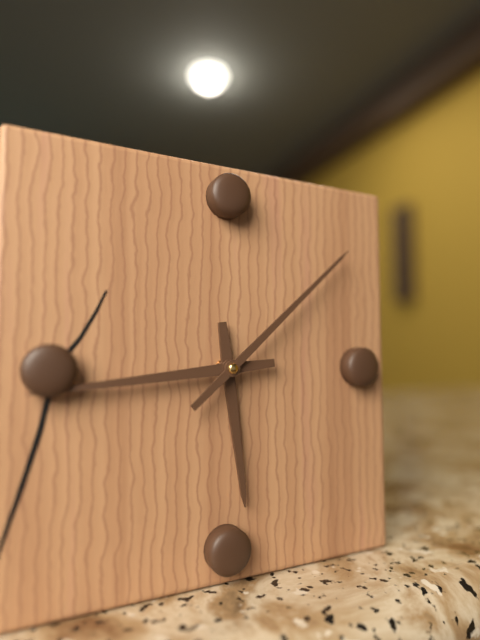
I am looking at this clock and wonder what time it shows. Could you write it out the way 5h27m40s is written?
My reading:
5h44m08s
